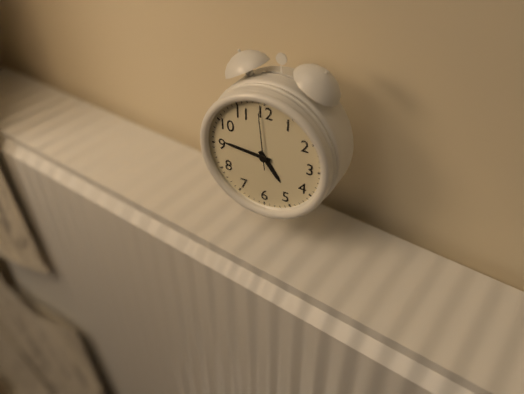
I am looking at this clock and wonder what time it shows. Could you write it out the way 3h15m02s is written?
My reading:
4h46m59s
